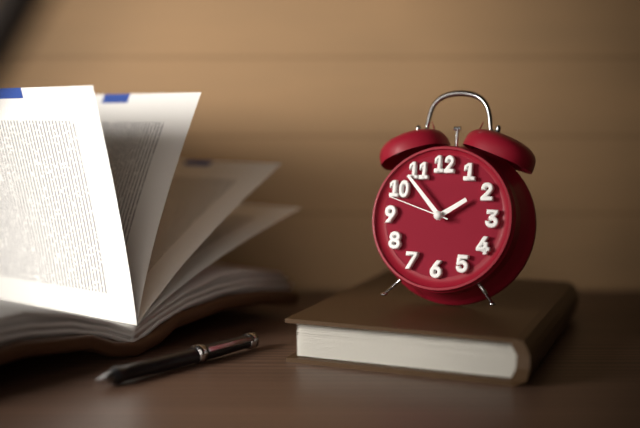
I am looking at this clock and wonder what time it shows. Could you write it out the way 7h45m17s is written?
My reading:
1h53m48s
